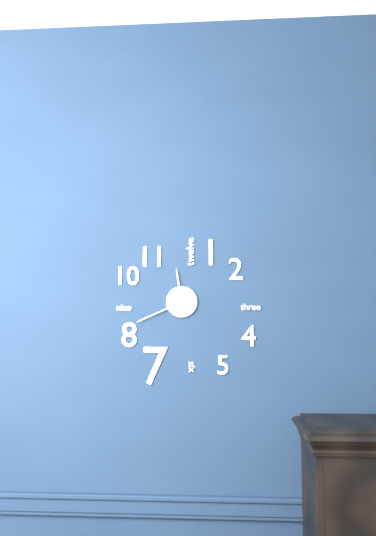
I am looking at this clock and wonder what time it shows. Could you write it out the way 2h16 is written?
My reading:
11h41
